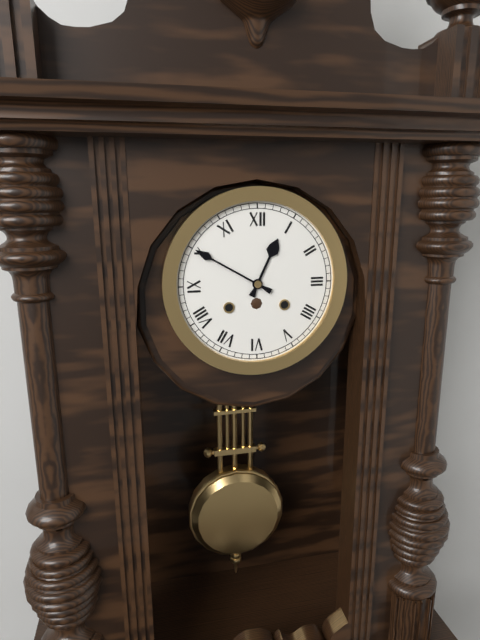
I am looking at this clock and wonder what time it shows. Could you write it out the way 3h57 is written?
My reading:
12h50
